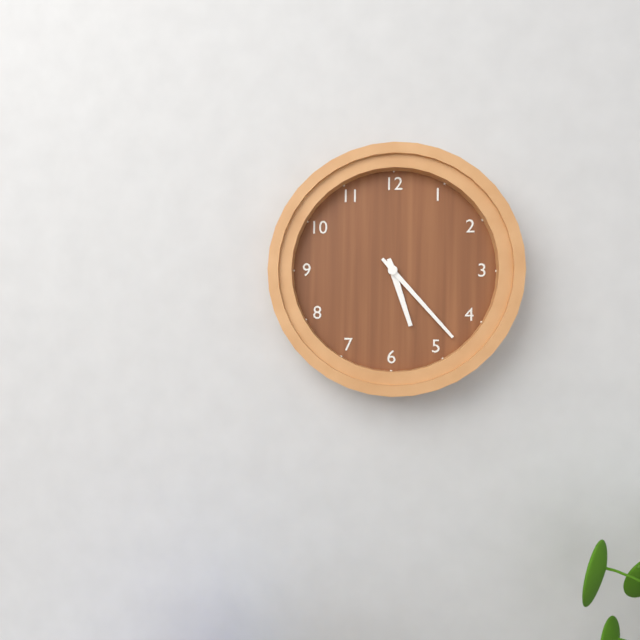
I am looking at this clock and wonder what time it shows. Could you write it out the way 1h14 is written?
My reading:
5h23
